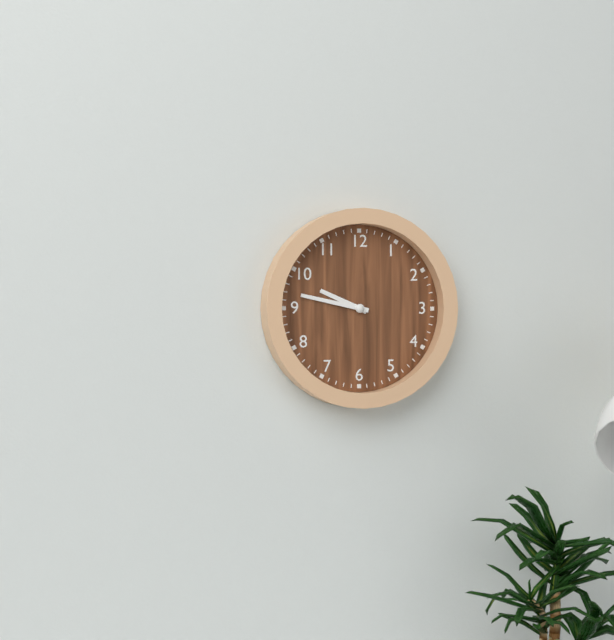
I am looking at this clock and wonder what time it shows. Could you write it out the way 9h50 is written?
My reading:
9h47
